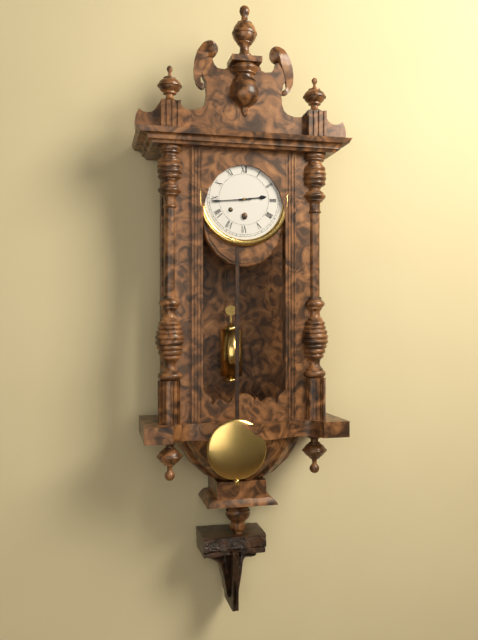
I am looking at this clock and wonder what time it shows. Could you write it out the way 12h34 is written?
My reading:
2h44
